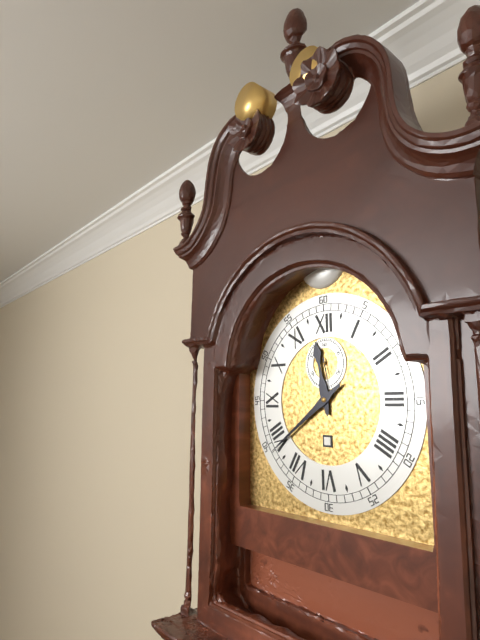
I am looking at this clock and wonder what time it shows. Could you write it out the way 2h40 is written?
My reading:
11h39
